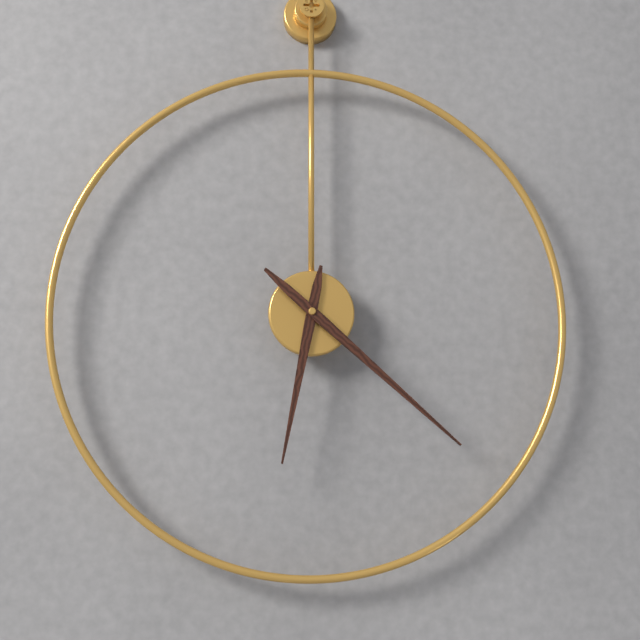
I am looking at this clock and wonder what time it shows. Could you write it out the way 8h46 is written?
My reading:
6h22
